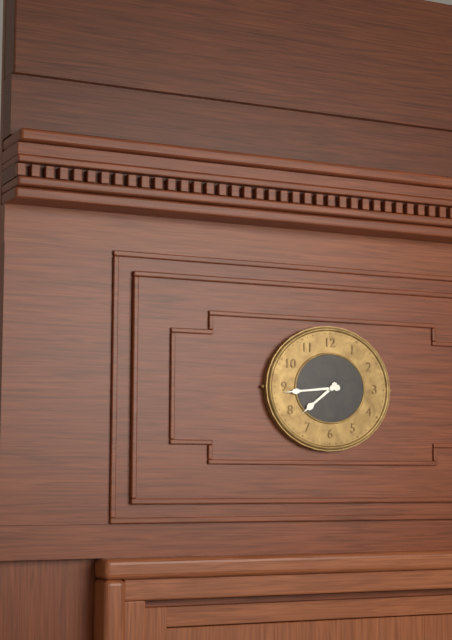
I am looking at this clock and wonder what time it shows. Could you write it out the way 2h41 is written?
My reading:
7h44
